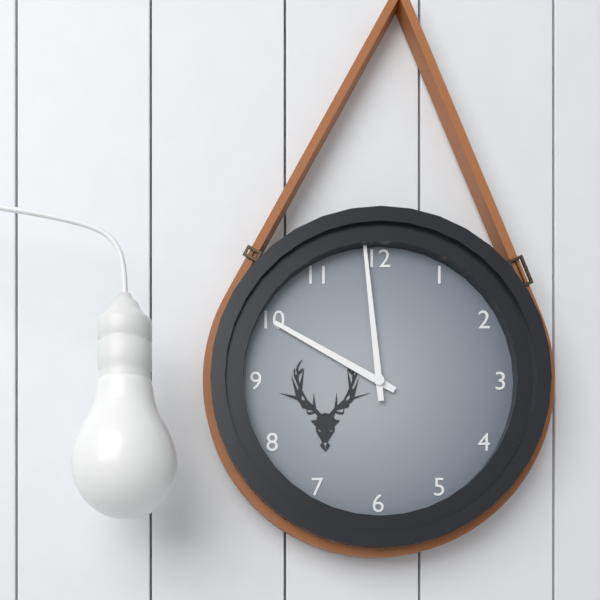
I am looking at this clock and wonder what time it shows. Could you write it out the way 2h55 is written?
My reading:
9h59
